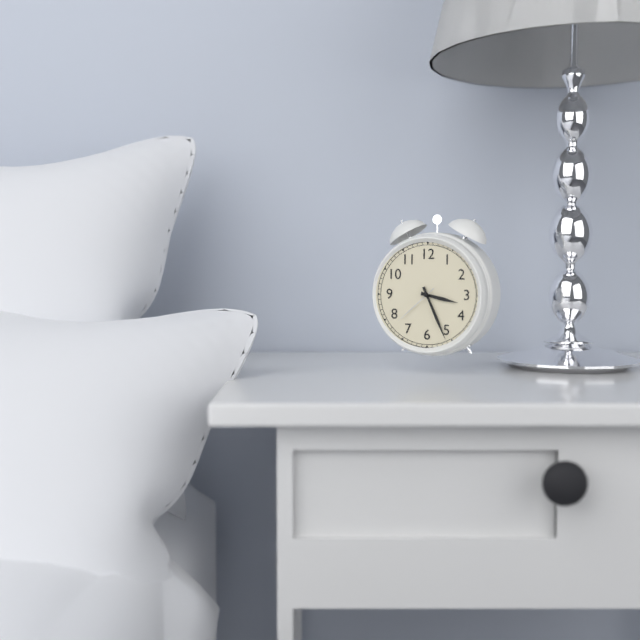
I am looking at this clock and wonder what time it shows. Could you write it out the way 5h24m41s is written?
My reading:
3h26m38s
